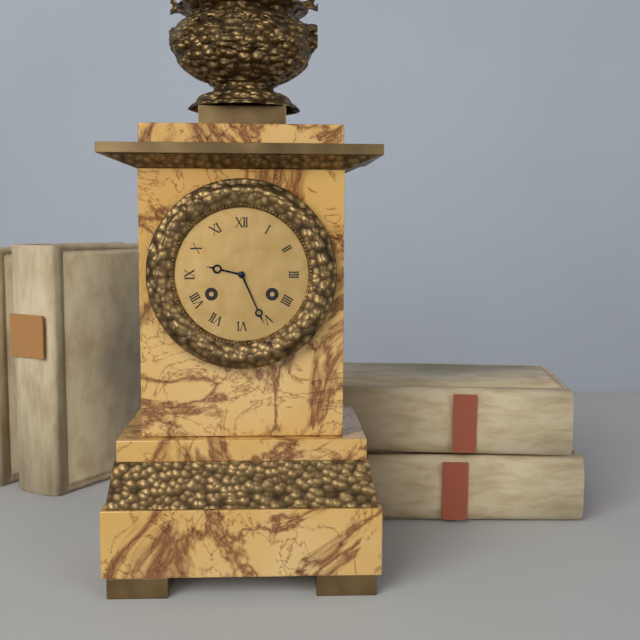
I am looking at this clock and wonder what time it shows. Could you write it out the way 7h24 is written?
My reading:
9h26
